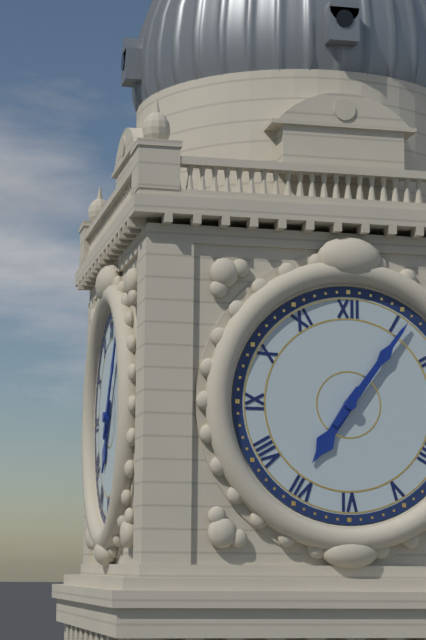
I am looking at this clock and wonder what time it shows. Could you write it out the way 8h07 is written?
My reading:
7h06
